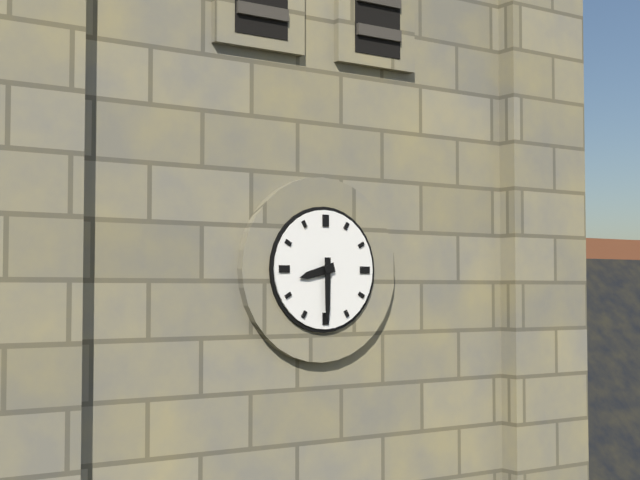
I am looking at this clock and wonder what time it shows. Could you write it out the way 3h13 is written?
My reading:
8h30
